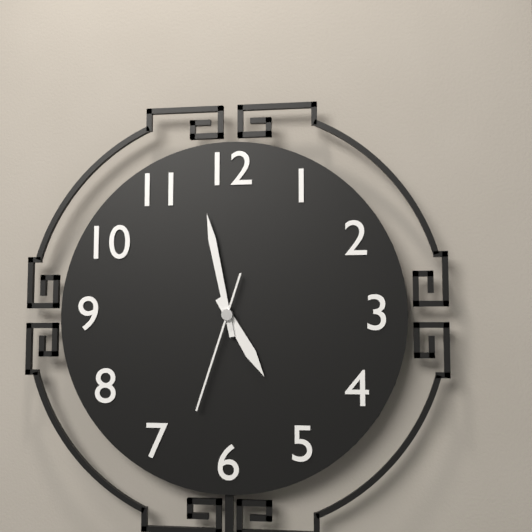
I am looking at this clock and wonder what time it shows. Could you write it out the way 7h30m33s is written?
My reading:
4h58m33s
